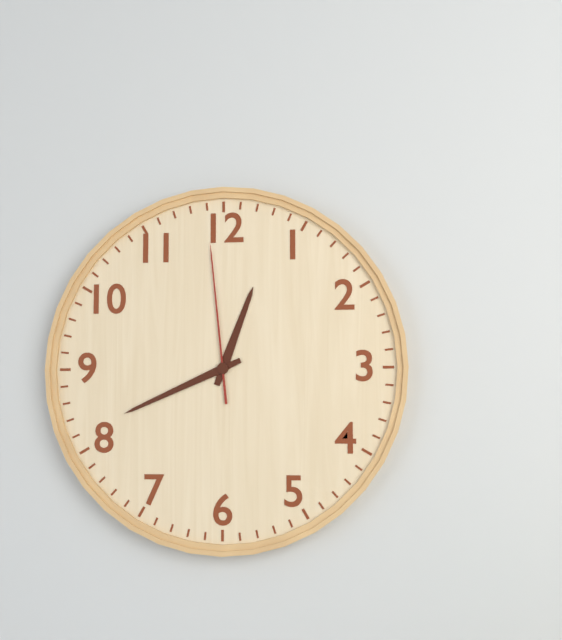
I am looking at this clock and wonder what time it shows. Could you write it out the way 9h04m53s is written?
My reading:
12h41m59s
